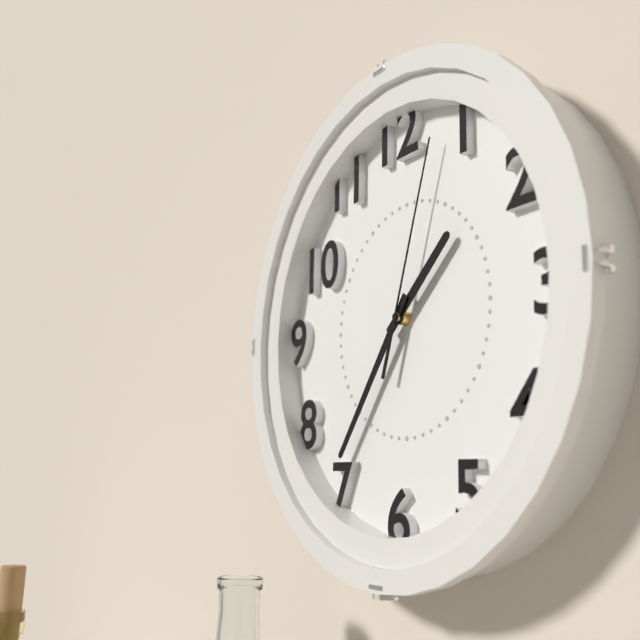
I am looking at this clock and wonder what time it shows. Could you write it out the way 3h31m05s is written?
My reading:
1h36m03s
